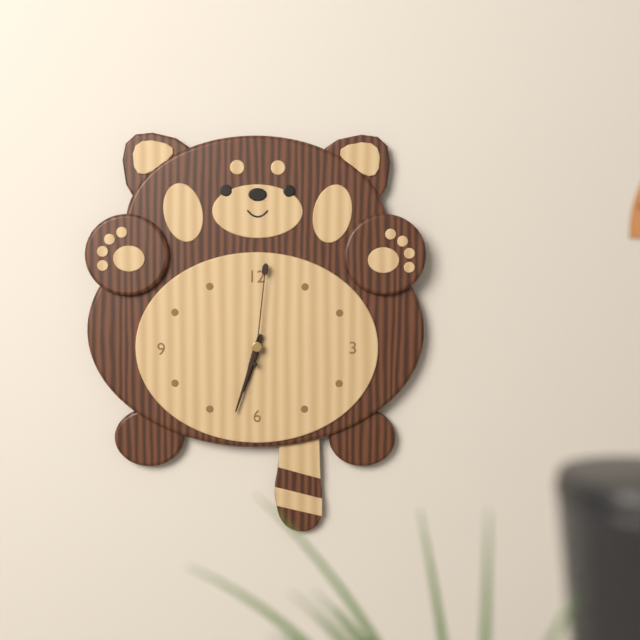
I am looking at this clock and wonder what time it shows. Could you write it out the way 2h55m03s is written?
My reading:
6h33m01s
